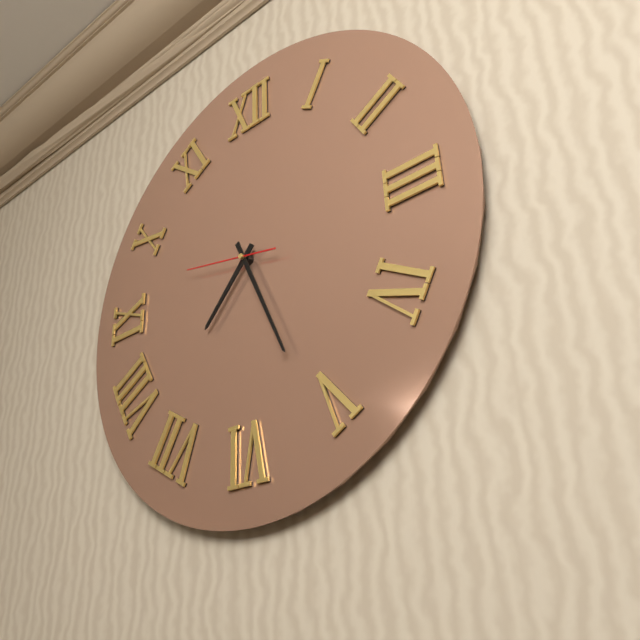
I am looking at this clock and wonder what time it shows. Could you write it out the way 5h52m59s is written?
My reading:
7h26m47s
